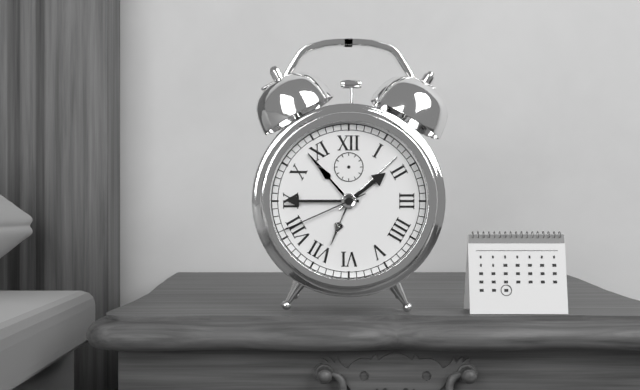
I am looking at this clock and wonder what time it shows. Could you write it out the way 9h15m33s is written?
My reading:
1h45m41s
